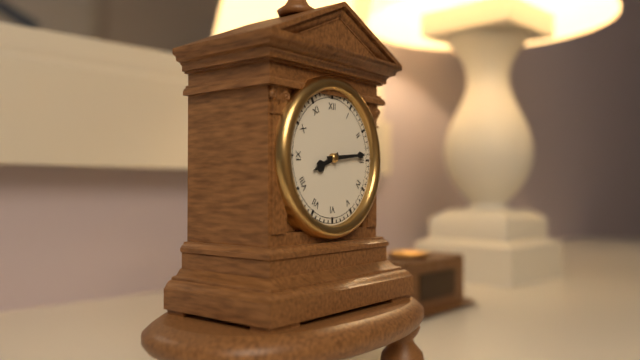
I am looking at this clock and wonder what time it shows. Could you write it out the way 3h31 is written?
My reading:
8h14
